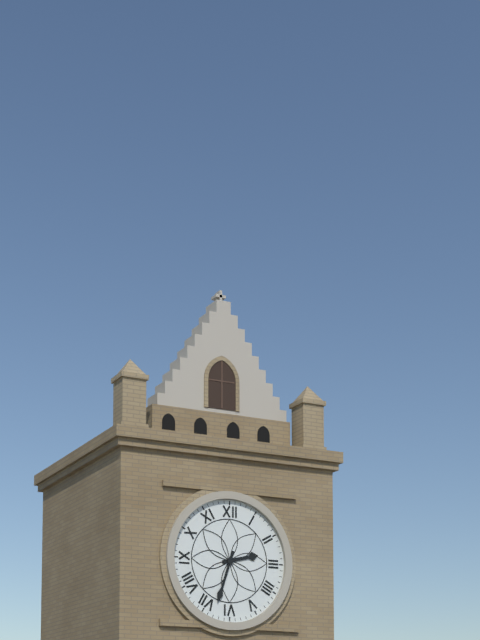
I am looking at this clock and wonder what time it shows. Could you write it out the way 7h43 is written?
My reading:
2h33
